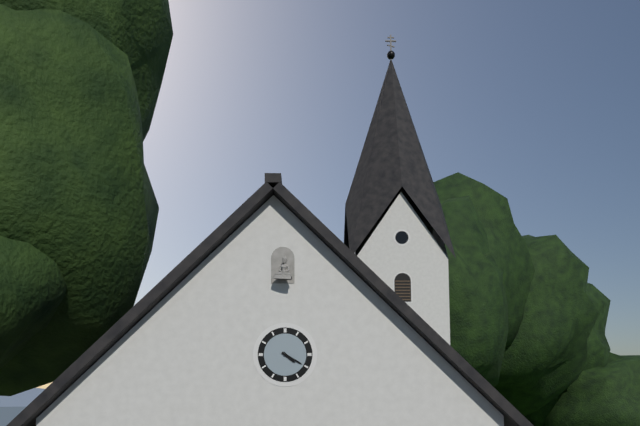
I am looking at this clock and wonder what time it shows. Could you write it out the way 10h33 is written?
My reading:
4h20
